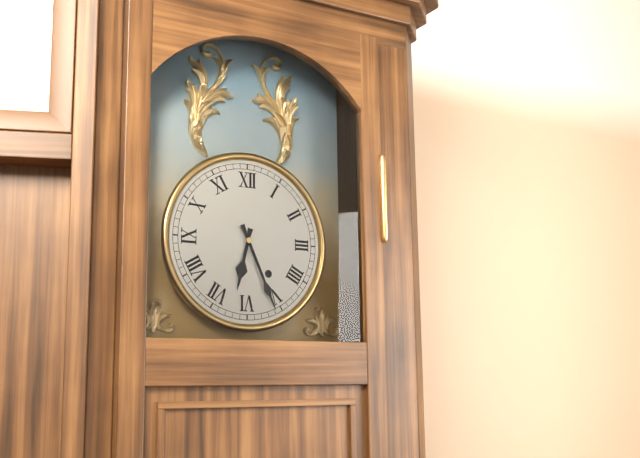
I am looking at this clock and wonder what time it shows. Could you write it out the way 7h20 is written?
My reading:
6h26
